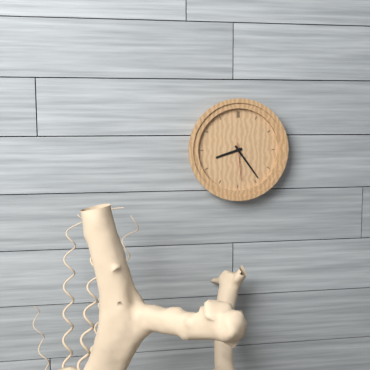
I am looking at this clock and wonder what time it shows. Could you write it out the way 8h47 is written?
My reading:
8h24
